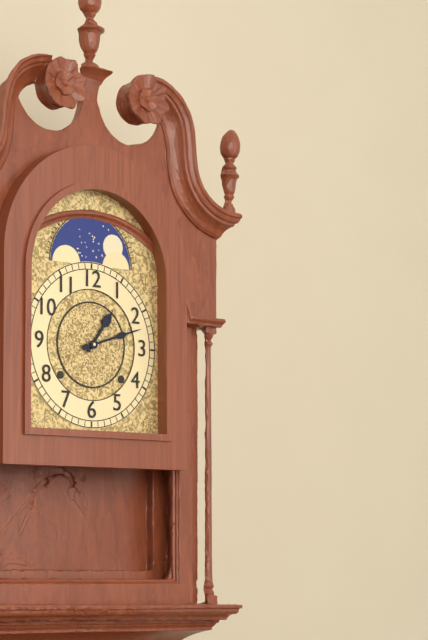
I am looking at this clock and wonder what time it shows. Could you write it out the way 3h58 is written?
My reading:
1h12
